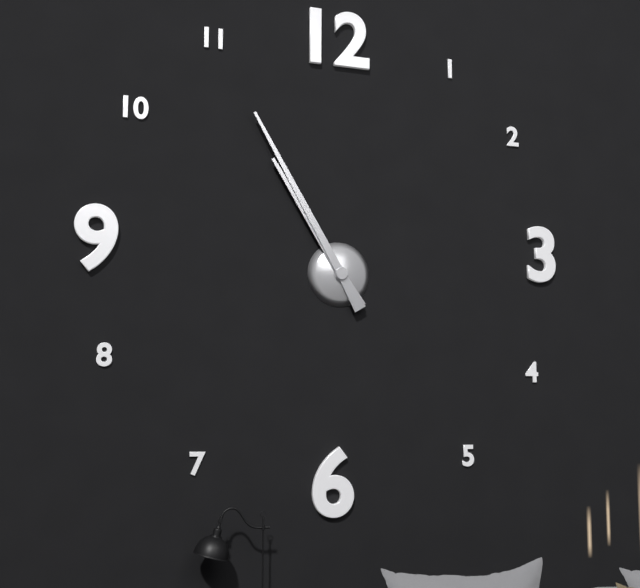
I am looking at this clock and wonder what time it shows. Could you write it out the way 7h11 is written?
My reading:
10h55
